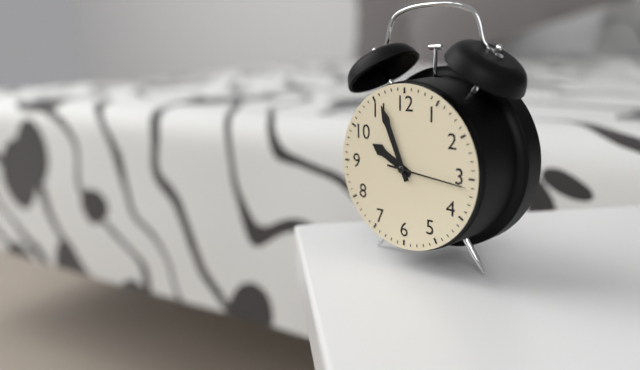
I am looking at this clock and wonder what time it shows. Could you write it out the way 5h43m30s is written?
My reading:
9h56m16s
